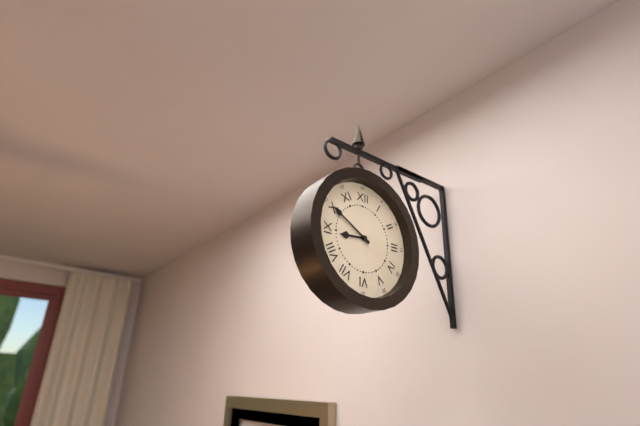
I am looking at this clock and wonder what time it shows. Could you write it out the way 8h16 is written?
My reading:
8h50
